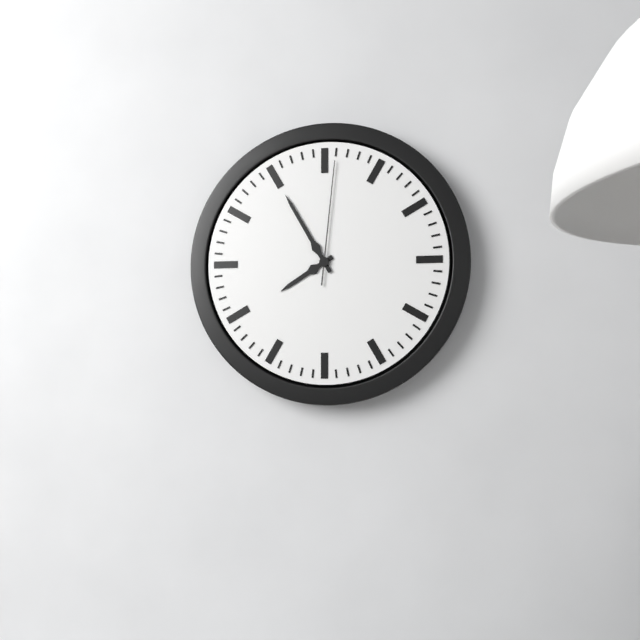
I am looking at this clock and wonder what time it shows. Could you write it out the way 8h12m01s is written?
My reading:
7h55m01s
